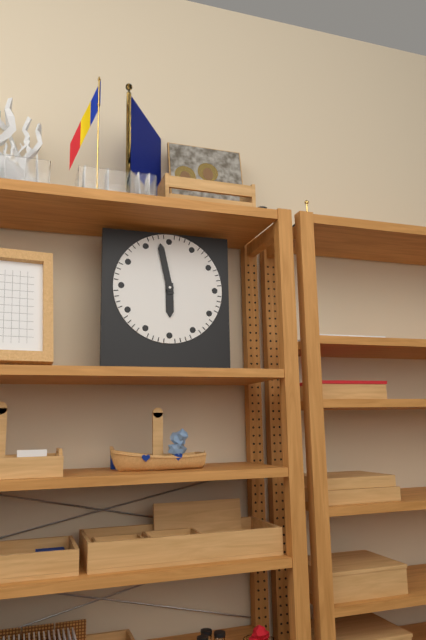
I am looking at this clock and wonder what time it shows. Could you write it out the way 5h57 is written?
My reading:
5h58
